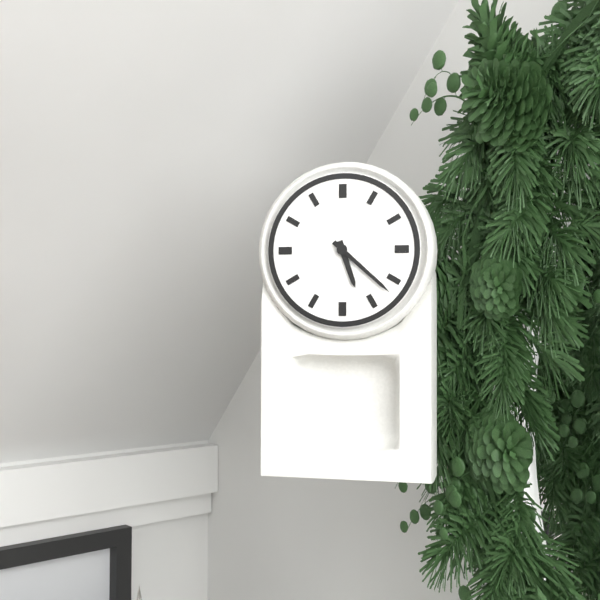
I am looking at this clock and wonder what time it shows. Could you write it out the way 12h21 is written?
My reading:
5h22
